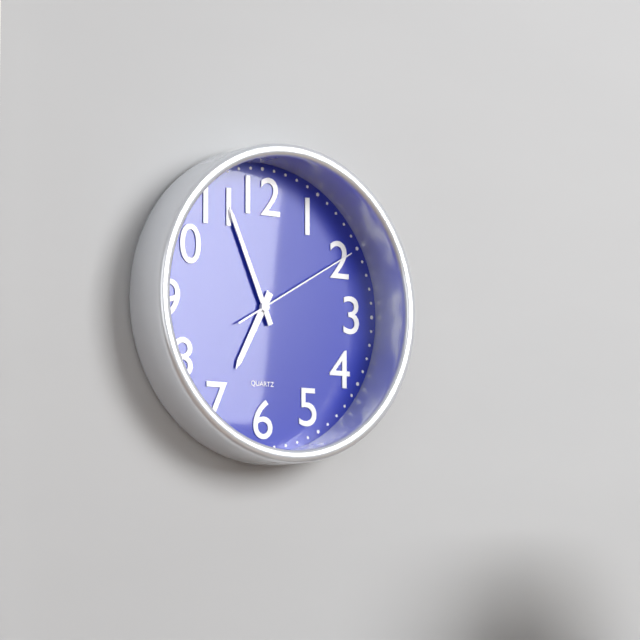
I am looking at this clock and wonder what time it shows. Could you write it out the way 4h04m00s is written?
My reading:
6h56m10s
